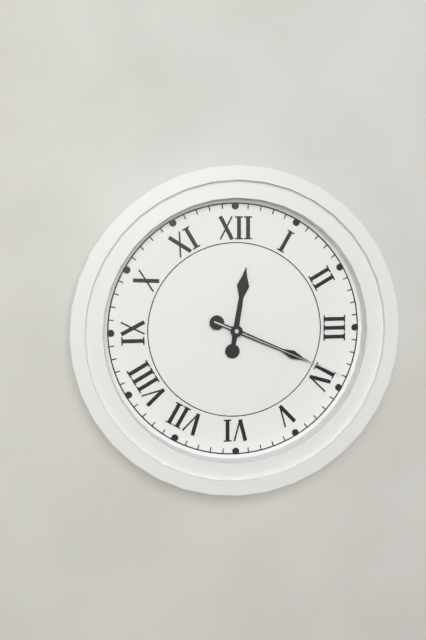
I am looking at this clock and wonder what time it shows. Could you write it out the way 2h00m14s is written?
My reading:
12h19m19s
